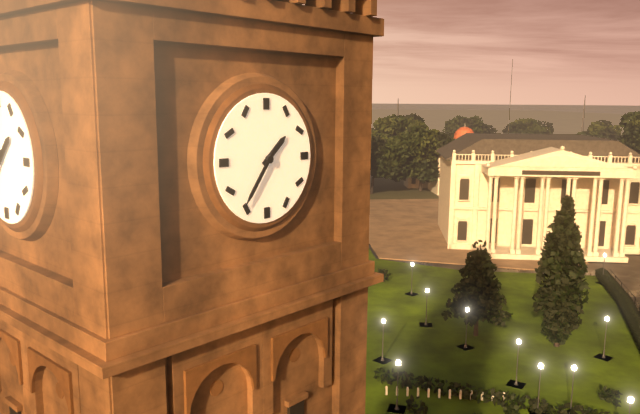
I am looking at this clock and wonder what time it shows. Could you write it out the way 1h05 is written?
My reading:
1h36
